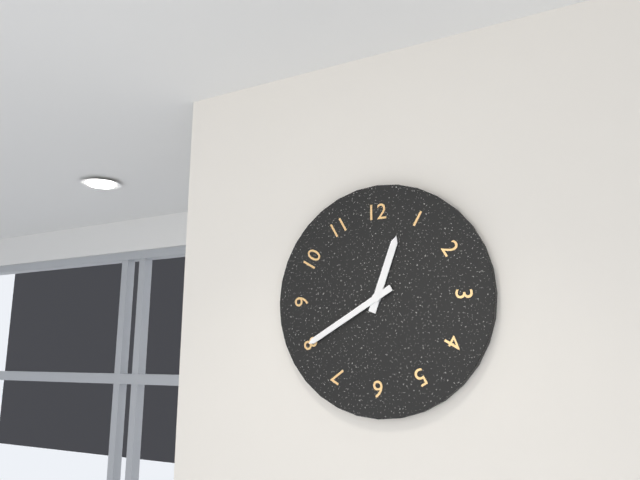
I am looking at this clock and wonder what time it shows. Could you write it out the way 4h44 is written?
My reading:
12h40
